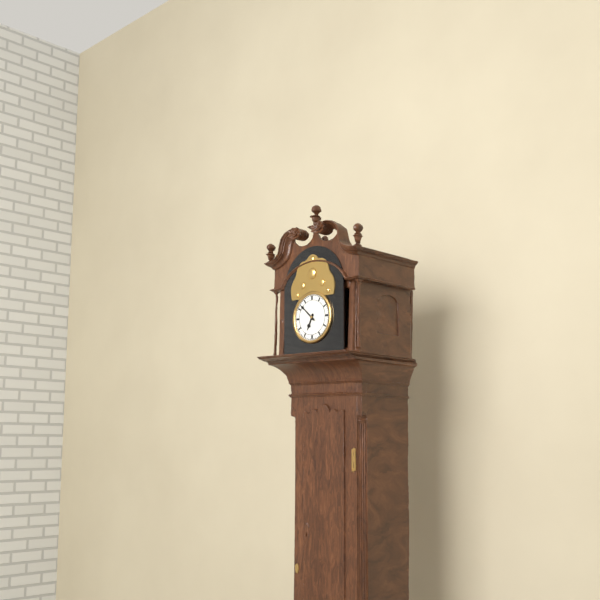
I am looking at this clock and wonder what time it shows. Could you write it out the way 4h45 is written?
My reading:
6h52
